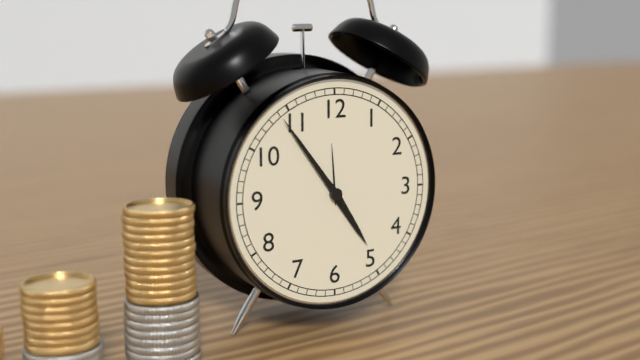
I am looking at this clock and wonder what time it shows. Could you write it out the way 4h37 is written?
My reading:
4h54
